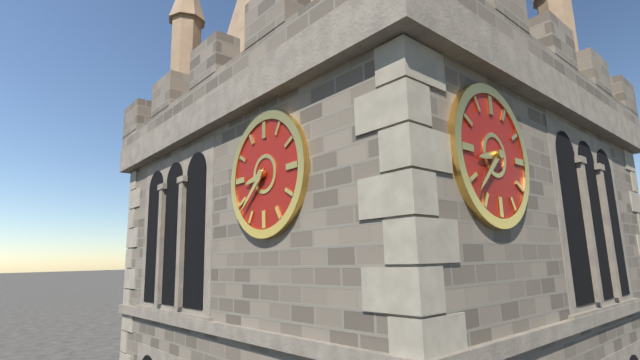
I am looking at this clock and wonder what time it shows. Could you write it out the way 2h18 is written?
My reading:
8h38
